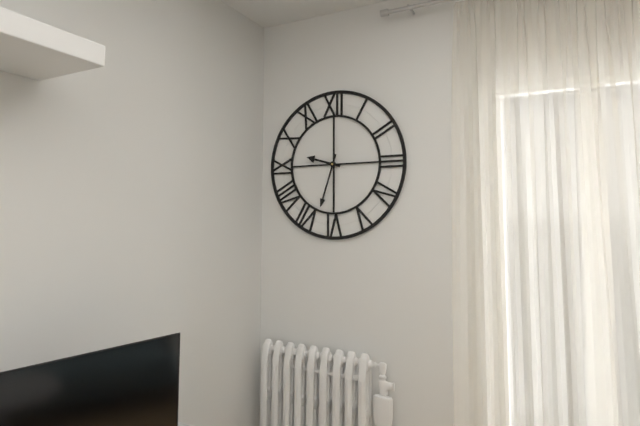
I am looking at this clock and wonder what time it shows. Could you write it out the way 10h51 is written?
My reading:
9h33
